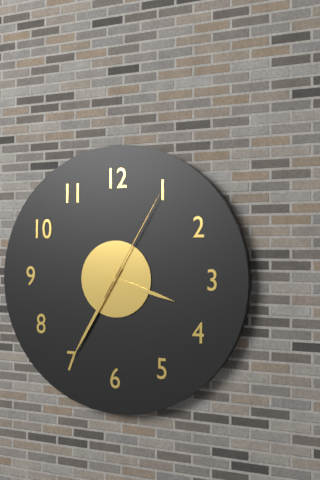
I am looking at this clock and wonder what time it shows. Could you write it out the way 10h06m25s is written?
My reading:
3h35m05s
